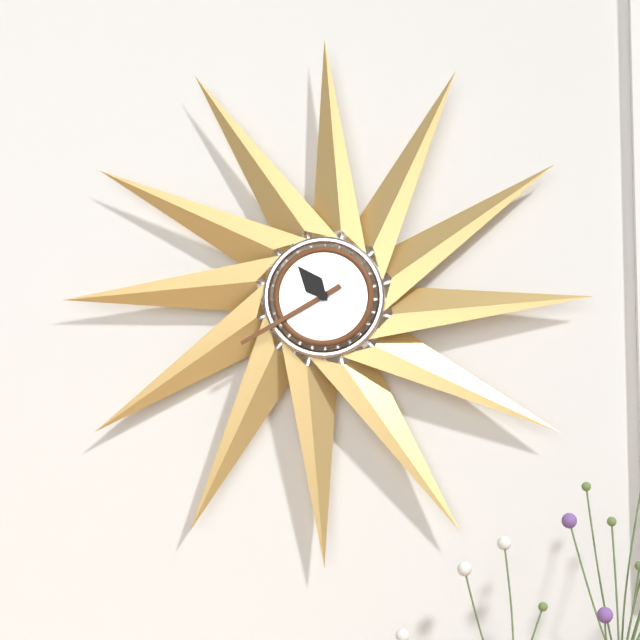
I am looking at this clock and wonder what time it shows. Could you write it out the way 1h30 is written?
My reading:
10h40
